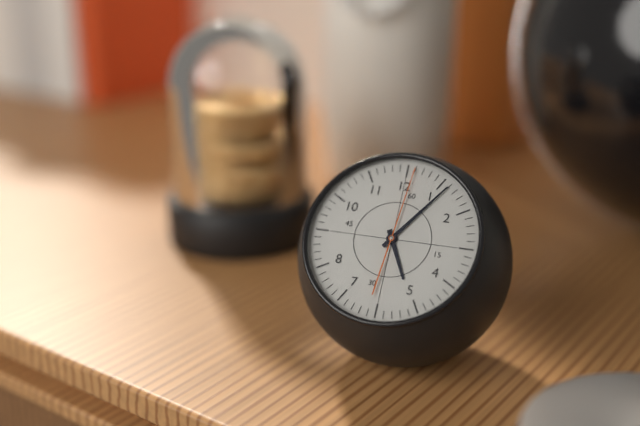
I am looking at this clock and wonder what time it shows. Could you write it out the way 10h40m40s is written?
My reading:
5h06m01s
